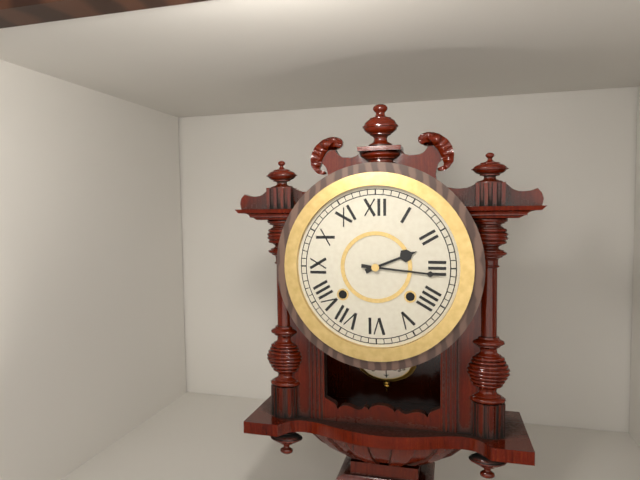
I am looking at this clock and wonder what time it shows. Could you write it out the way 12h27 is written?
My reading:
2h16
